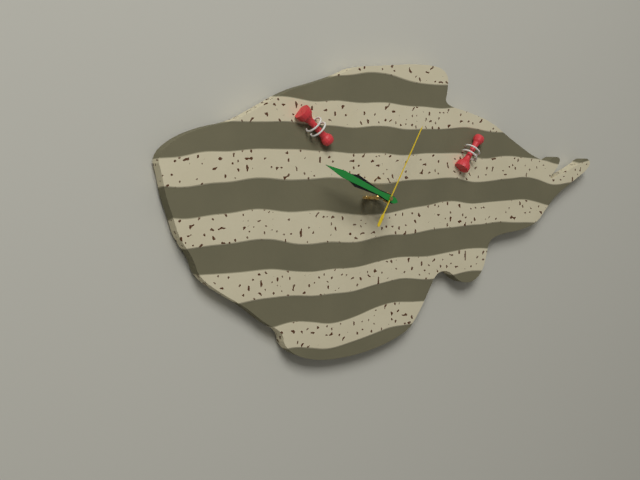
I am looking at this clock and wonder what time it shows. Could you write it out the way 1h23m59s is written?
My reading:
9h49m05s
